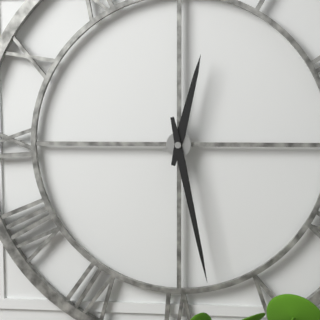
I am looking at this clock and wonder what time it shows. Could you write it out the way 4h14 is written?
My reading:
12h28
